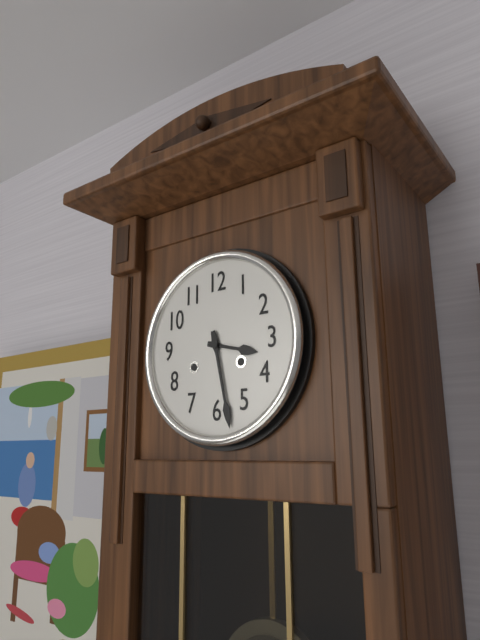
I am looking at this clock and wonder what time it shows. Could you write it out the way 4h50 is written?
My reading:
3h28
